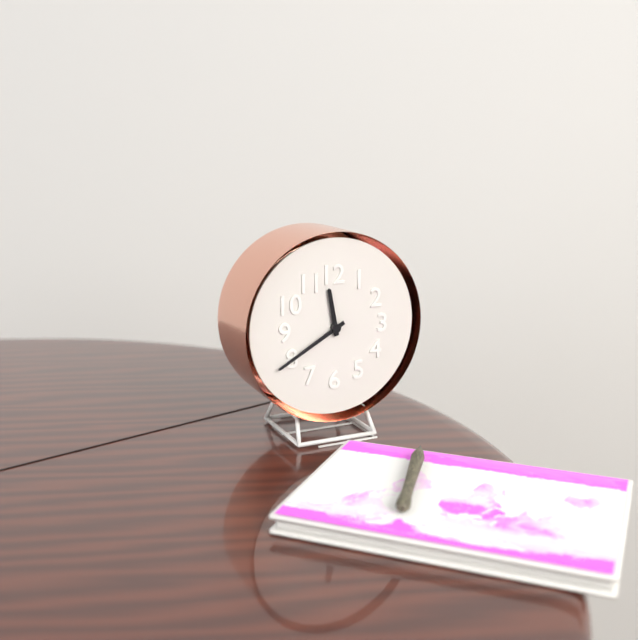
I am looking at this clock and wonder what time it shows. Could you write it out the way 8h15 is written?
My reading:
11h40
